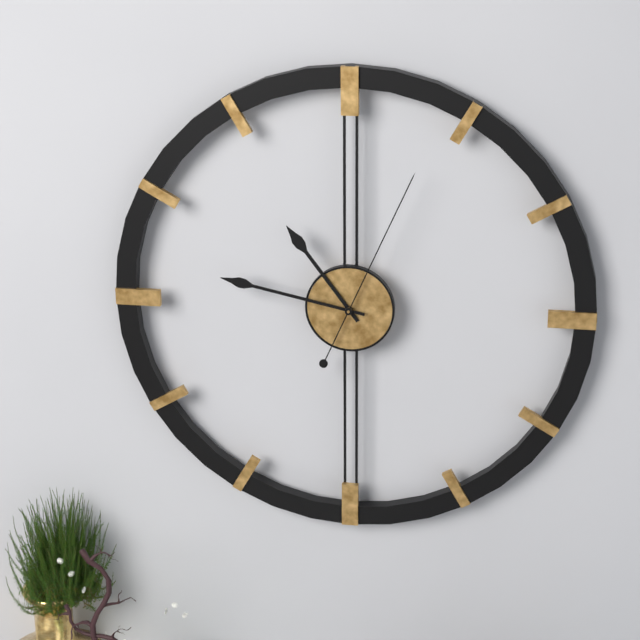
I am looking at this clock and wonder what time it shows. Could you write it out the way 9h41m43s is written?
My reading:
10h47m04s
